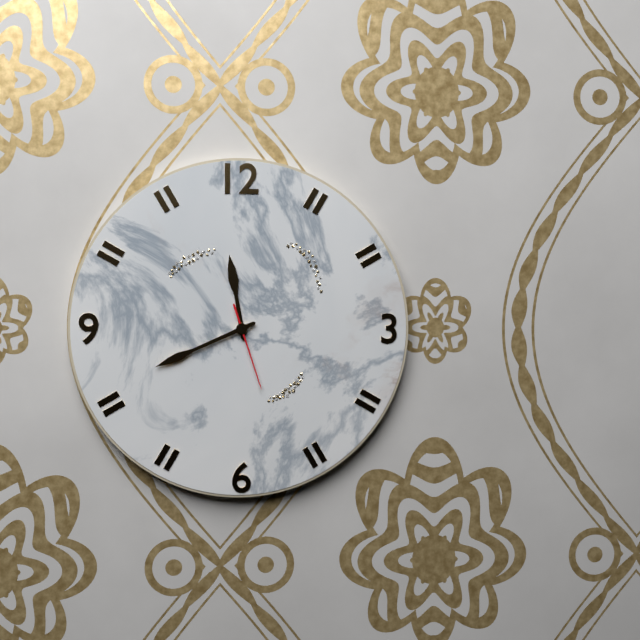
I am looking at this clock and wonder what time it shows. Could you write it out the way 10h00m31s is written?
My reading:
11h41m27s
